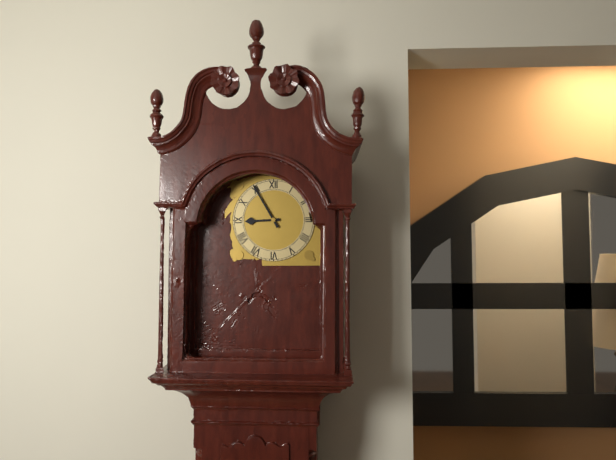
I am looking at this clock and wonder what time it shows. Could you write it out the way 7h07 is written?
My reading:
8h55
